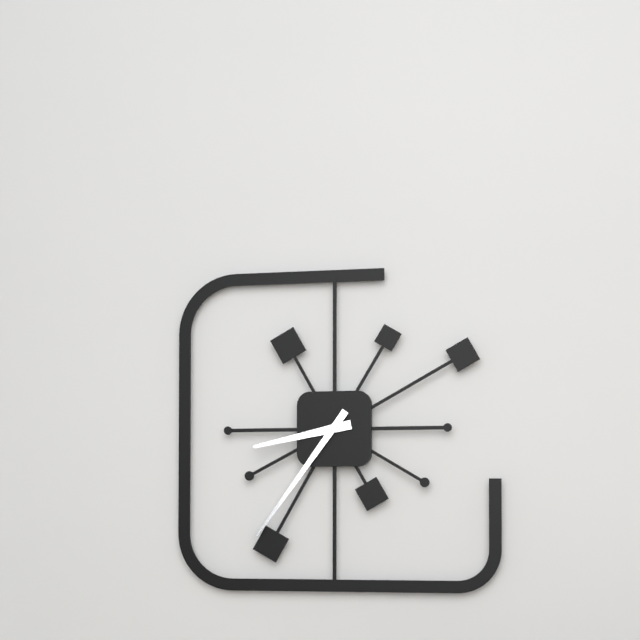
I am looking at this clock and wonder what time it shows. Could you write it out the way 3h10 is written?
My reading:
8h36
